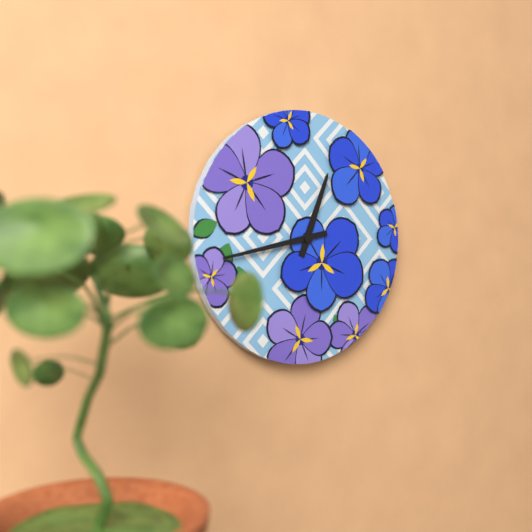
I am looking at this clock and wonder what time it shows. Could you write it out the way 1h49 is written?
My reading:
12h43
